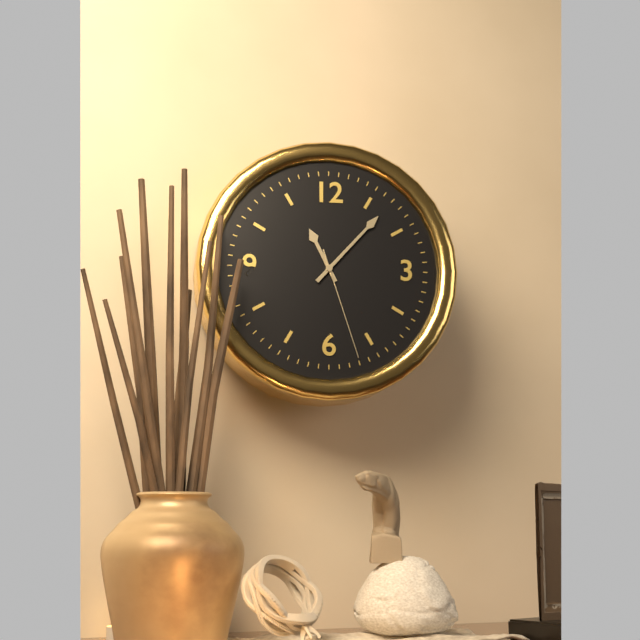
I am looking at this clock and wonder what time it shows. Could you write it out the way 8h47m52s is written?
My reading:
11h07m27s
